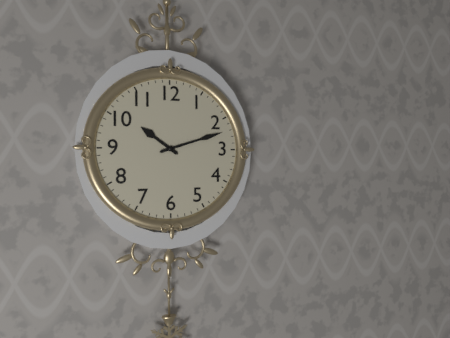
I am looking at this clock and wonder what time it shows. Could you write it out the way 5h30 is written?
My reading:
10h12
